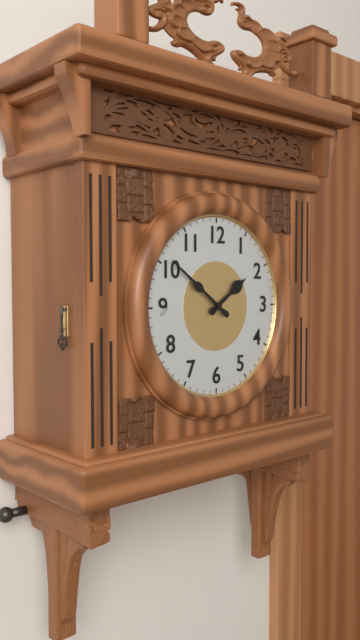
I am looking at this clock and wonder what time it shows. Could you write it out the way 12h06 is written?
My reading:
1h51
